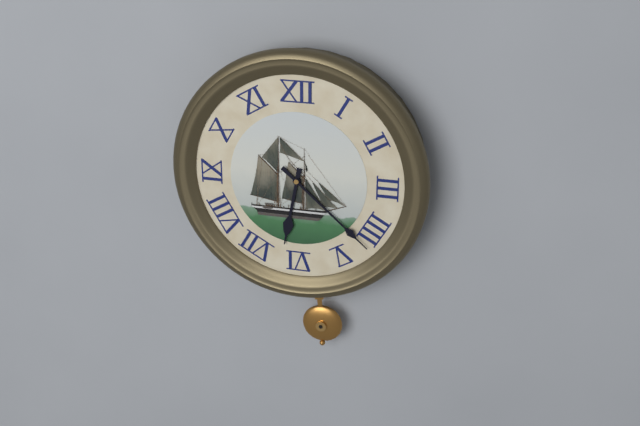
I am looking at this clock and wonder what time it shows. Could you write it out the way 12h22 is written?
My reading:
6h22
